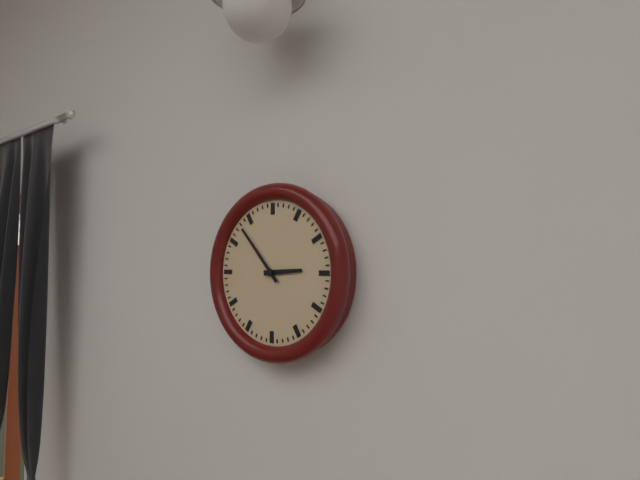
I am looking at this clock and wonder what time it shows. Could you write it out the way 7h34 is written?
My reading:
2h53
